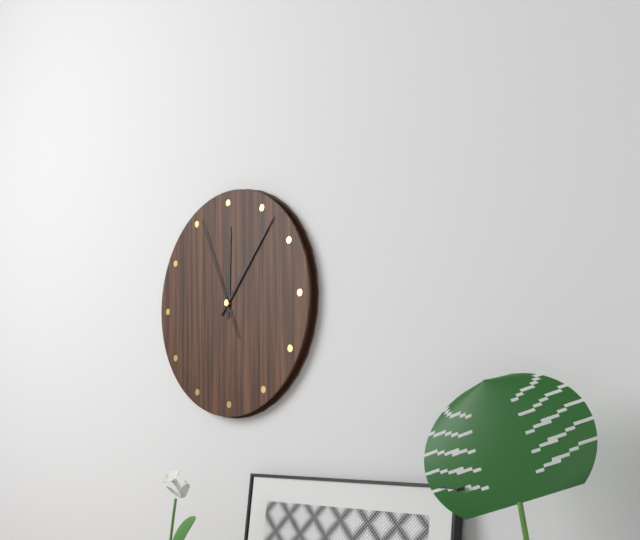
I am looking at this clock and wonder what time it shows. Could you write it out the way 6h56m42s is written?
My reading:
12h07m56s
